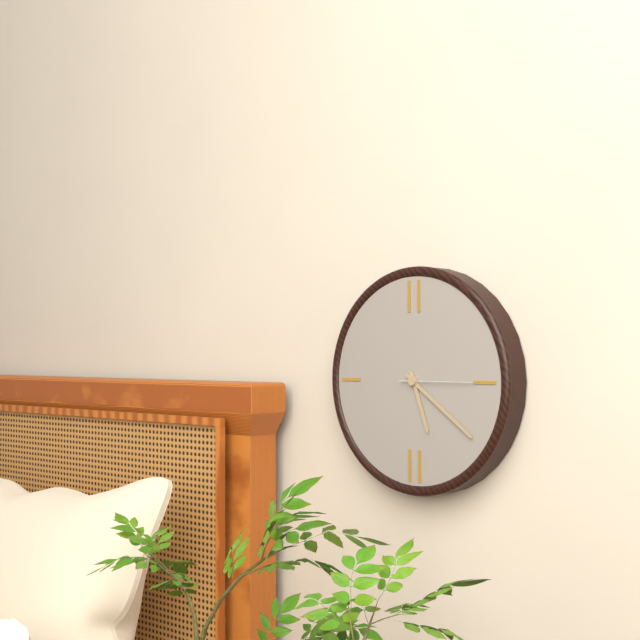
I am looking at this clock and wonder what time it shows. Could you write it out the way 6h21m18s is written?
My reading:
5h21m15s
